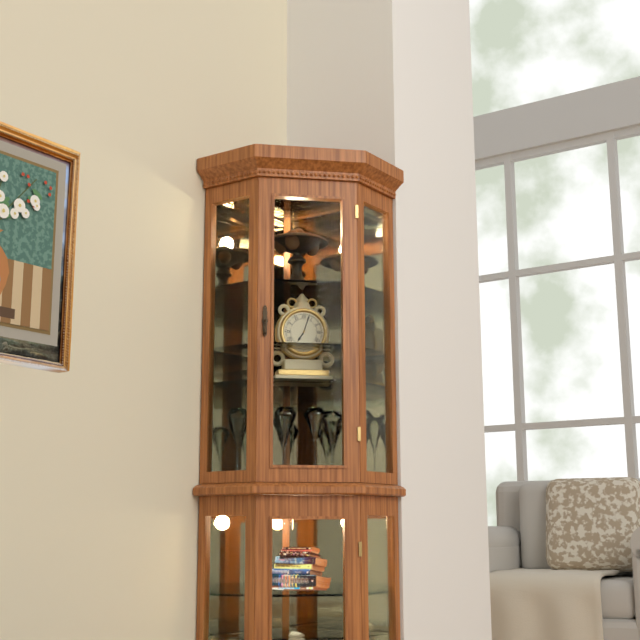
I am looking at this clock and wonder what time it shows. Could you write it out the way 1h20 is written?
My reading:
7h03
